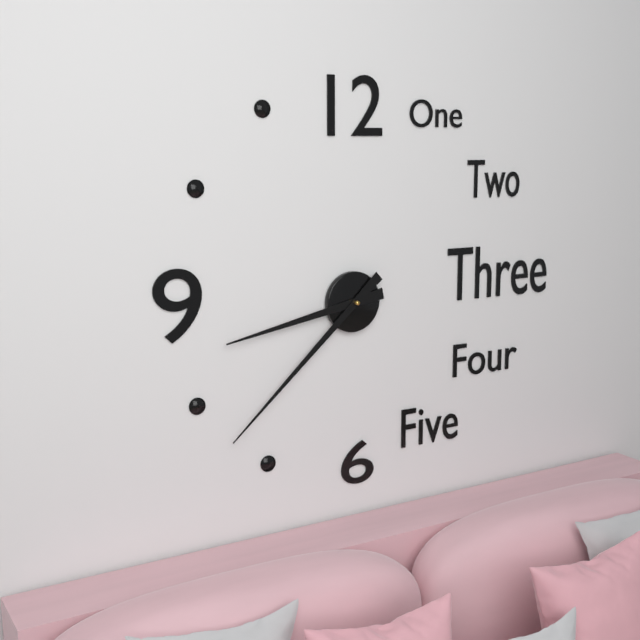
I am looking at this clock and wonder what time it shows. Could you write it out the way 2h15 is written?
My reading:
8h38
